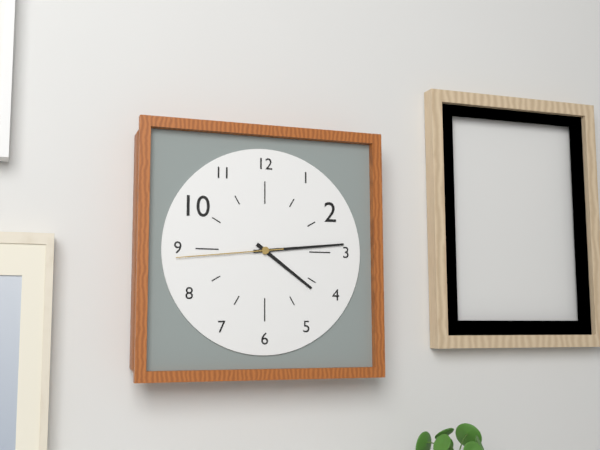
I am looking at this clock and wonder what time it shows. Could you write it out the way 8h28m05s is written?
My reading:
4h14m44s
